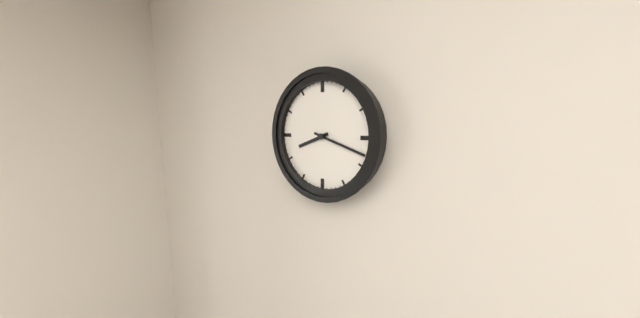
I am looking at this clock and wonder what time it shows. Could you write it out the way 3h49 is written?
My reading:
8h18
